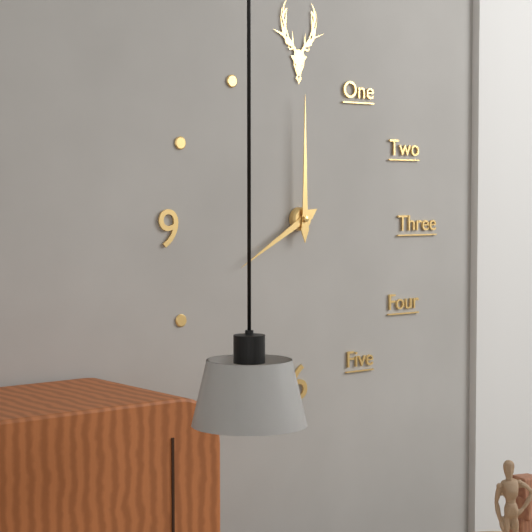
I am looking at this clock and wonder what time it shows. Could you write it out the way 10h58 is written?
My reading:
8h00
